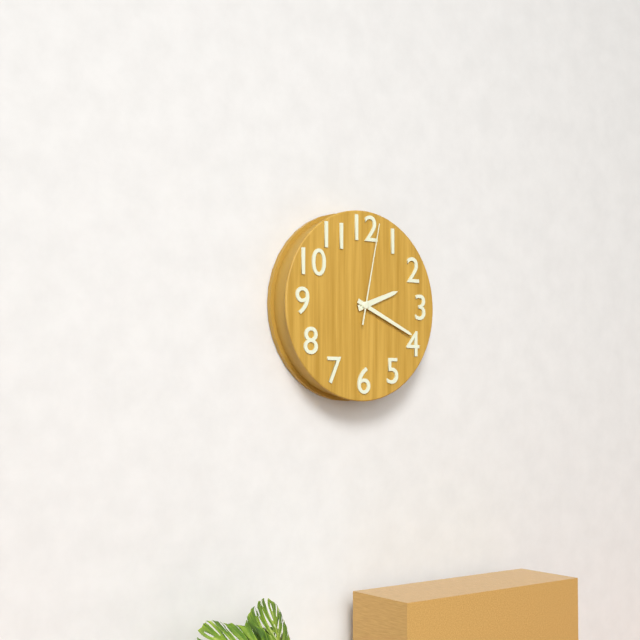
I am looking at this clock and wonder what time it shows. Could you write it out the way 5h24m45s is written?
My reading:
2h19m02s
